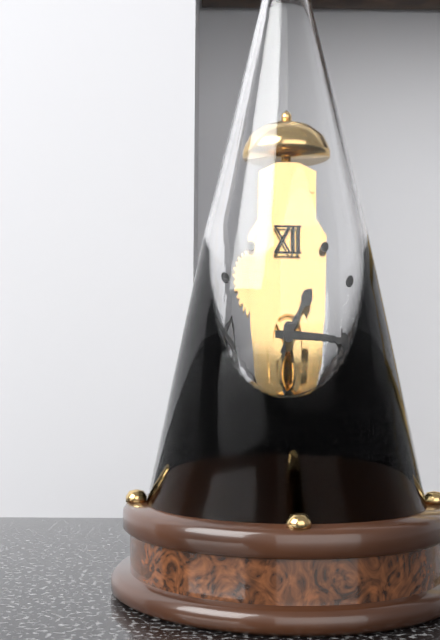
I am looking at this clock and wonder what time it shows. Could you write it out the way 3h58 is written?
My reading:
1h15
